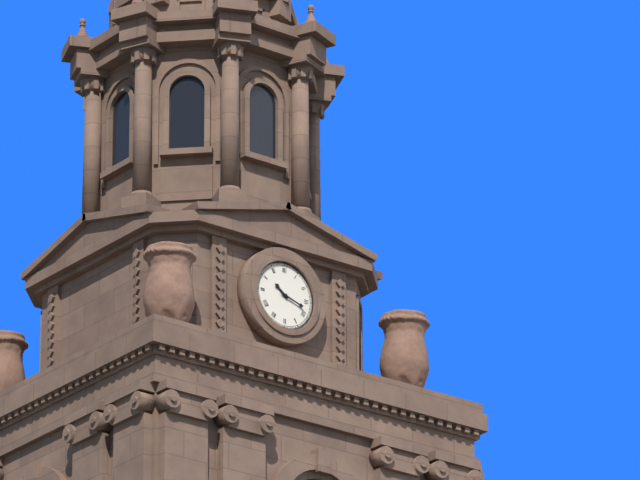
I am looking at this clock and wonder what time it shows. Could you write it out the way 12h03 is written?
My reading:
10h18
